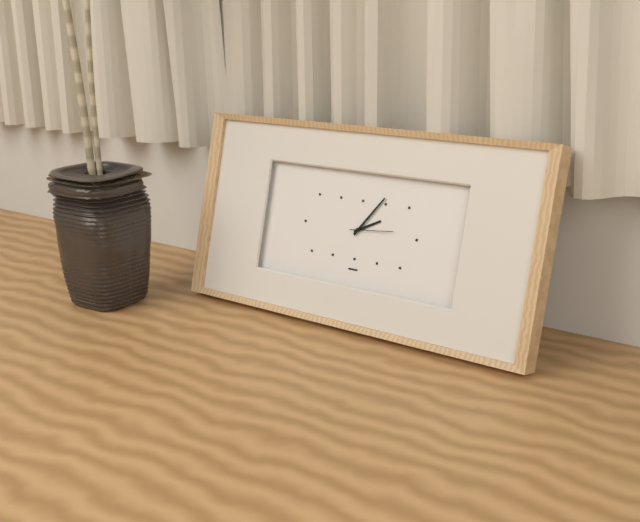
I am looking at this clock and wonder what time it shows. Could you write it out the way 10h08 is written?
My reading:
2h06
